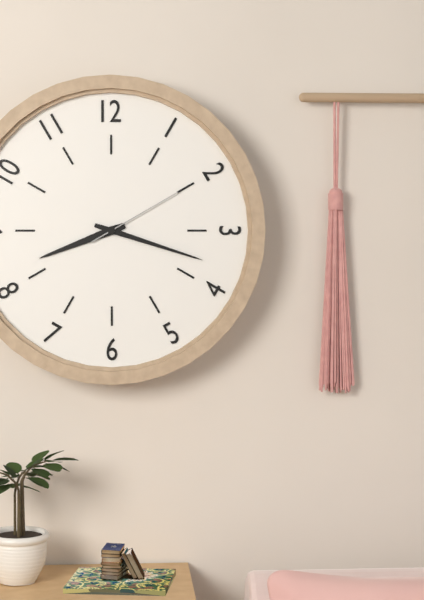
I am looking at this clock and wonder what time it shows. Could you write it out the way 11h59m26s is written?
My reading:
8h18m10s
